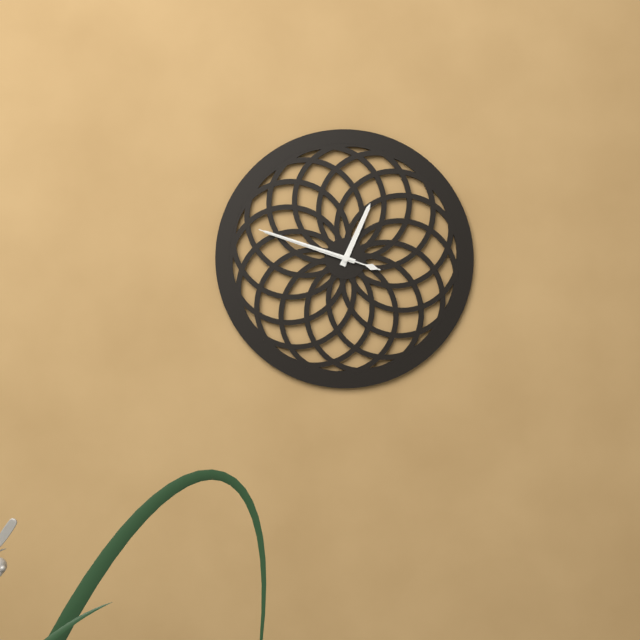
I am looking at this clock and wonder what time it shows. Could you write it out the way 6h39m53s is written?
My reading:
12h48m48s
